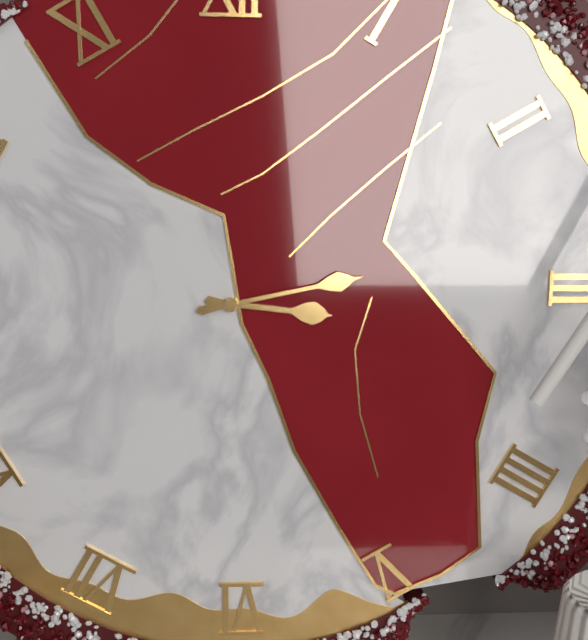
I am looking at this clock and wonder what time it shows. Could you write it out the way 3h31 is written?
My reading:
3h13
